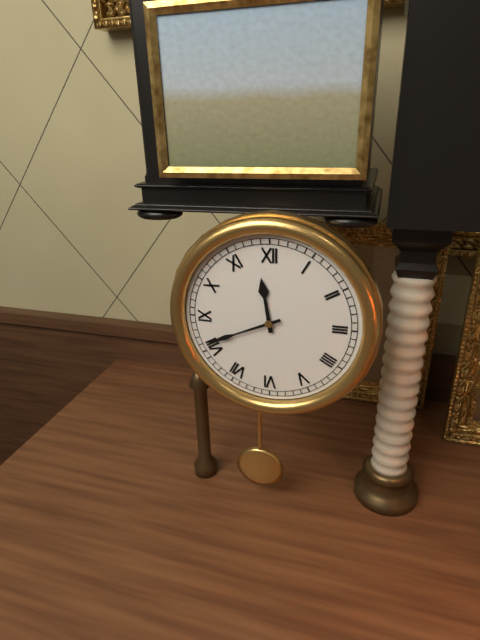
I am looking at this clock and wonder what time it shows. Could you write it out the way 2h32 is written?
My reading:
11h41
